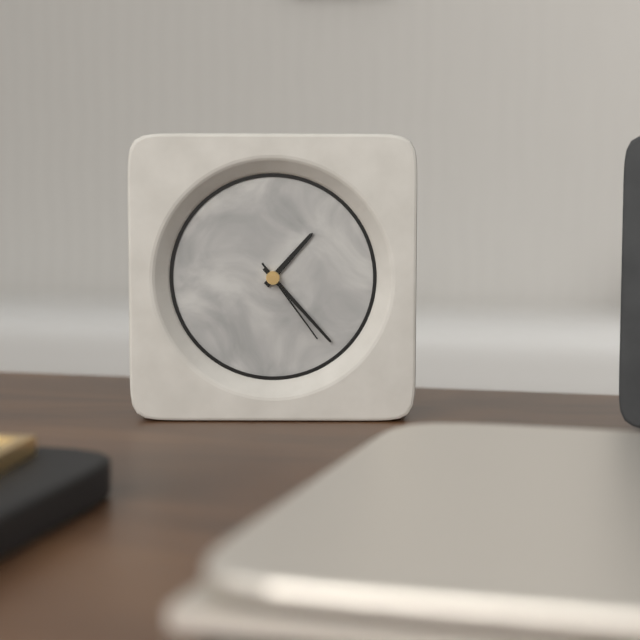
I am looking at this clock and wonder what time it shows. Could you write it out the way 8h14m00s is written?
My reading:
1h23m24s
